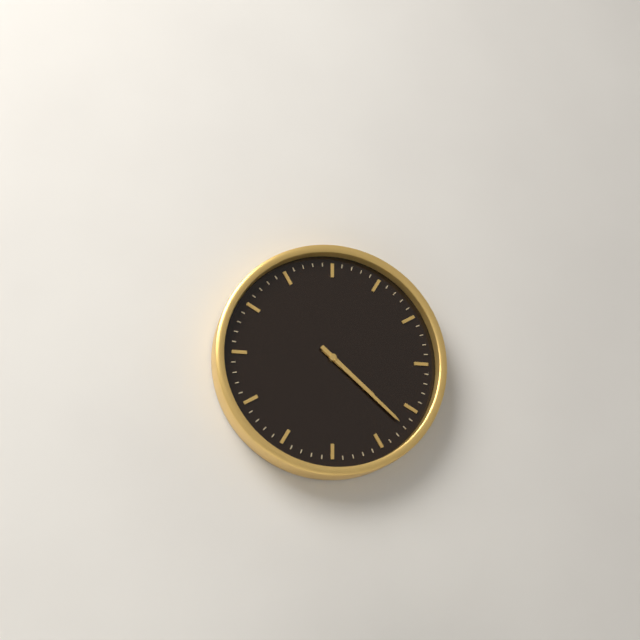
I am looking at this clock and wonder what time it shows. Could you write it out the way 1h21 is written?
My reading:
4h22
